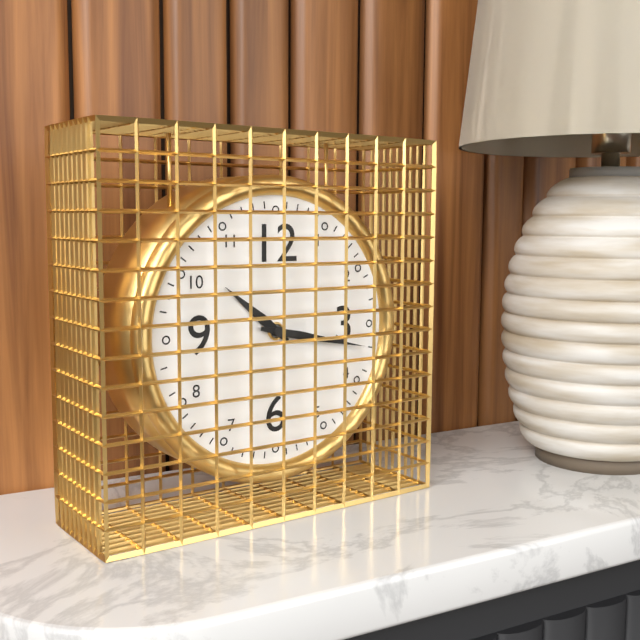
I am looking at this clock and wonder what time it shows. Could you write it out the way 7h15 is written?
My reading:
10h17
